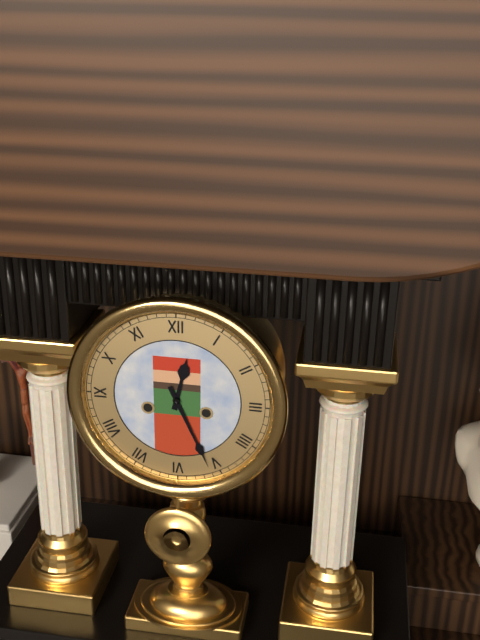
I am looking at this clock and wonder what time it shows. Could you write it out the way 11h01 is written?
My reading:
12h26
